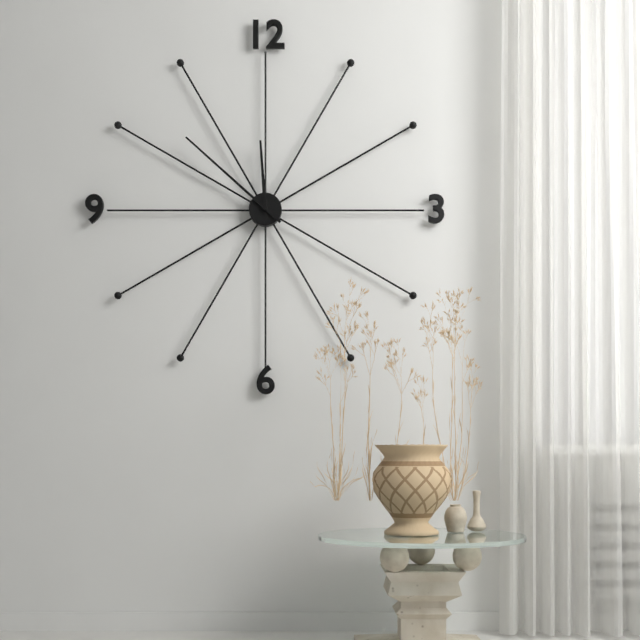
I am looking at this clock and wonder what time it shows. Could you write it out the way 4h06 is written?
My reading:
11h52
